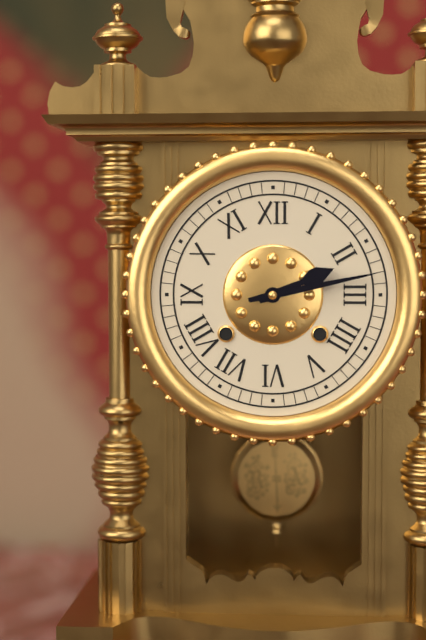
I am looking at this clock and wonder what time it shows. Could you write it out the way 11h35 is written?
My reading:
2h13
